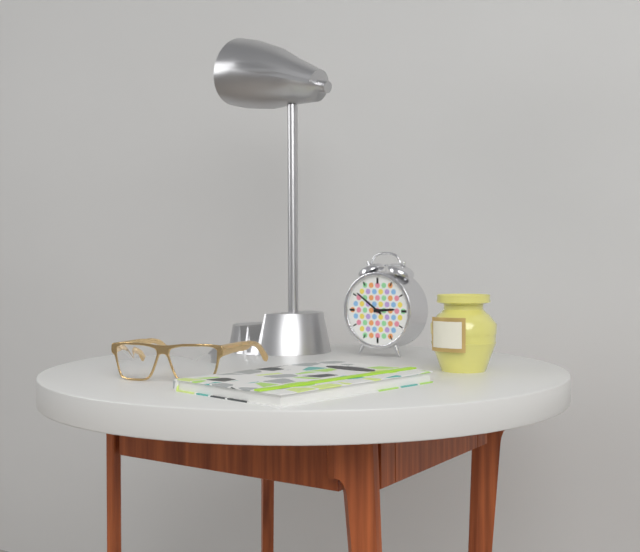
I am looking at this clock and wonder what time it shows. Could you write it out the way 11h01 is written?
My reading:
2h51
